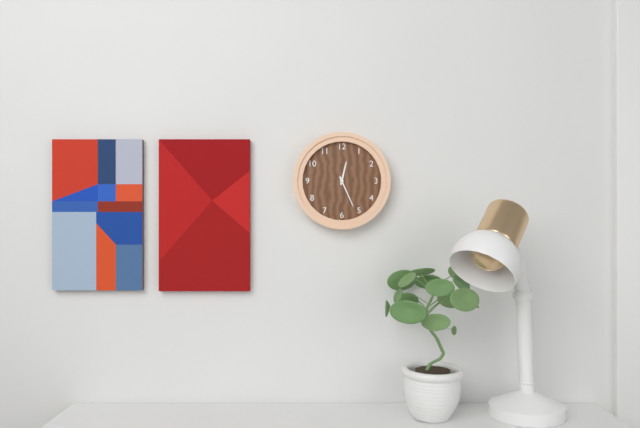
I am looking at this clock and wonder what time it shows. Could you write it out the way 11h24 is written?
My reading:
12h26
